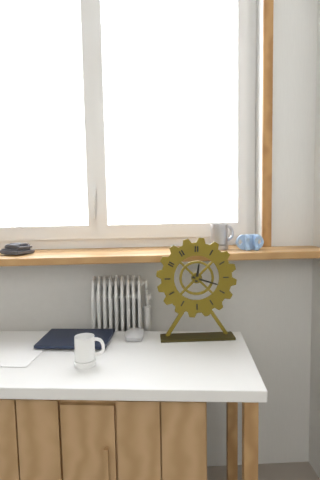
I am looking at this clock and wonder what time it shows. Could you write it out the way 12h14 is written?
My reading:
12h18
